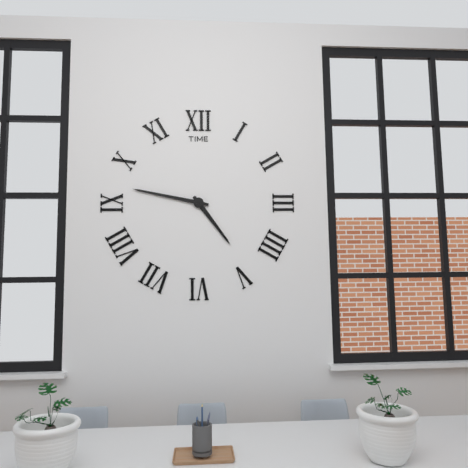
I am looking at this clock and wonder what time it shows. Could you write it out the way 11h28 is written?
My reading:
4h47
